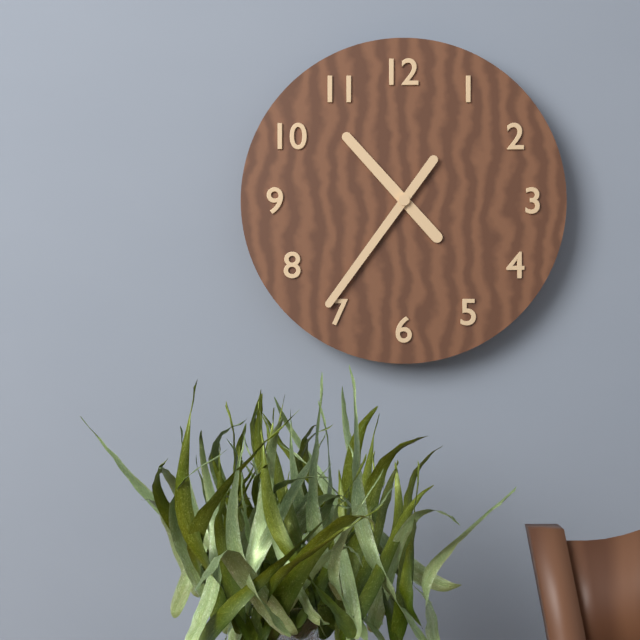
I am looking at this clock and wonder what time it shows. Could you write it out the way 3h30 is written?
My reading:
10h36
